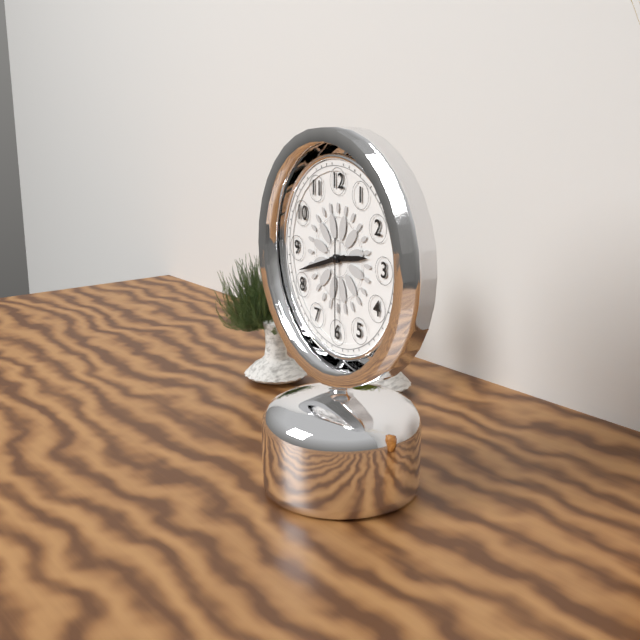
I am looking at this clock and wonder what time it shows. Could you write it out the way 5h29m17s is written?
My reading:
2h42m30s
